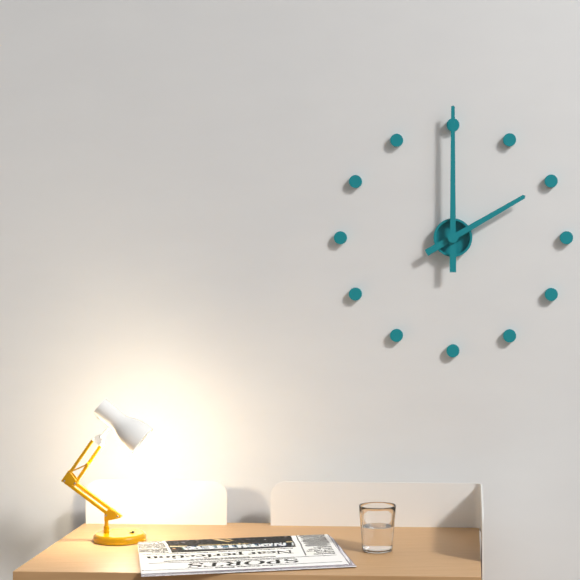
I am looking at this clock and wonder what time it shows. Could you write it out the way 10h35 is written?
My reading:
2h00
